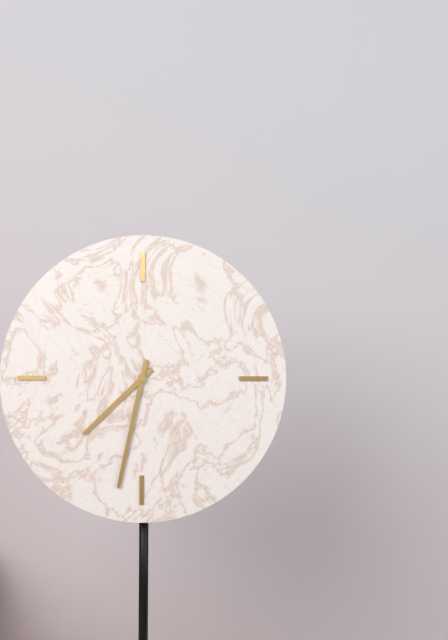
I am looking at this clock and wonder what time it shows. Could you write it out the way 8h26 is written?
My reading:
7h32
